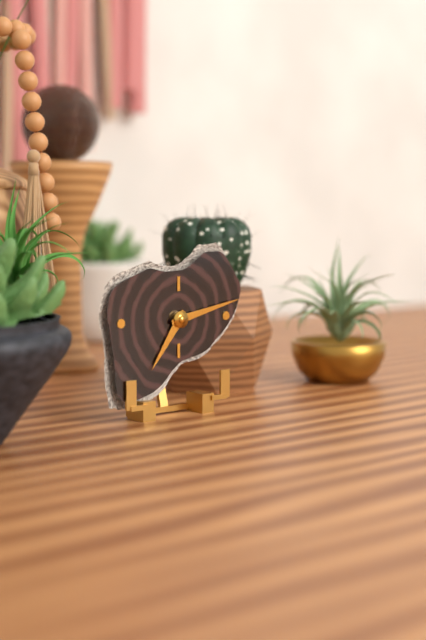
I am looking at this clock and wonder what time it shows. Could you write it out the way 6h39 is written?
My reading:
7h13
